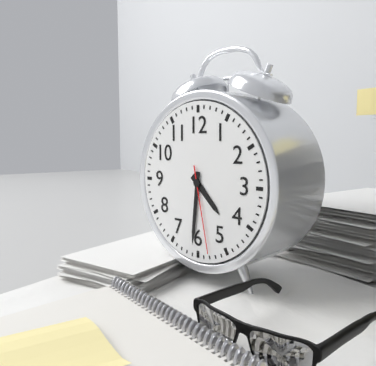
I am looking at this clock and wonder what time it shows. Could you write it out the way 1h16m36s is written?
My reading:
4h31m28s
